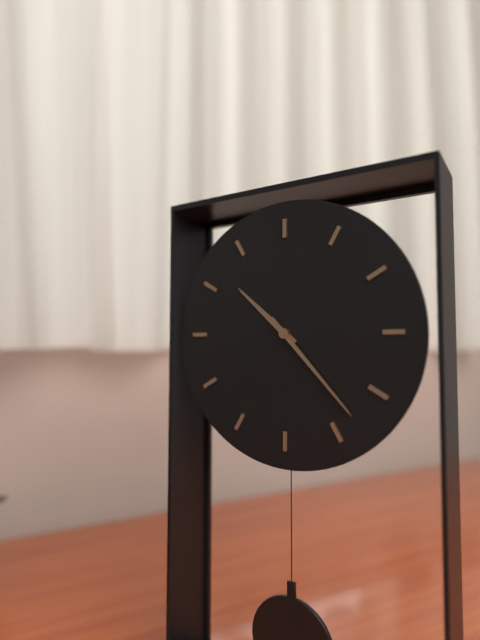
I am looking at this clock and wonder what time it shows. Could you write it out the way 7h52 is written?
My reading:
10h23
